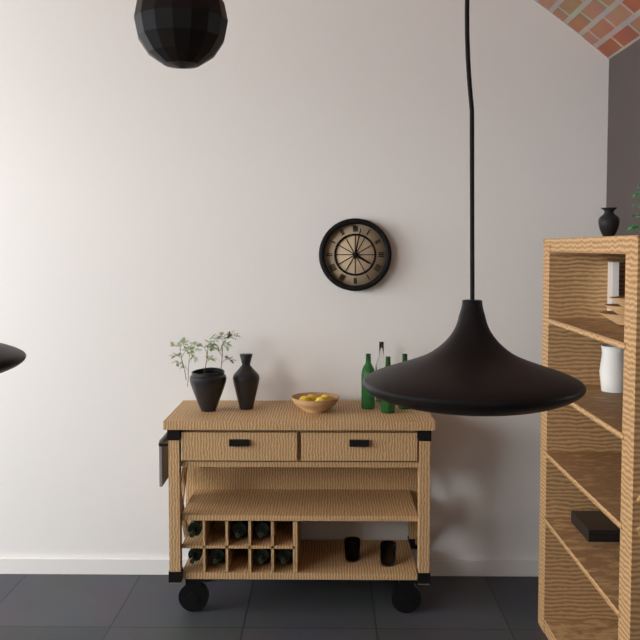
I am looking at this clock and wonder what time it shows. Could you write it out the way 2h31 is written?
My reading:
4h02
